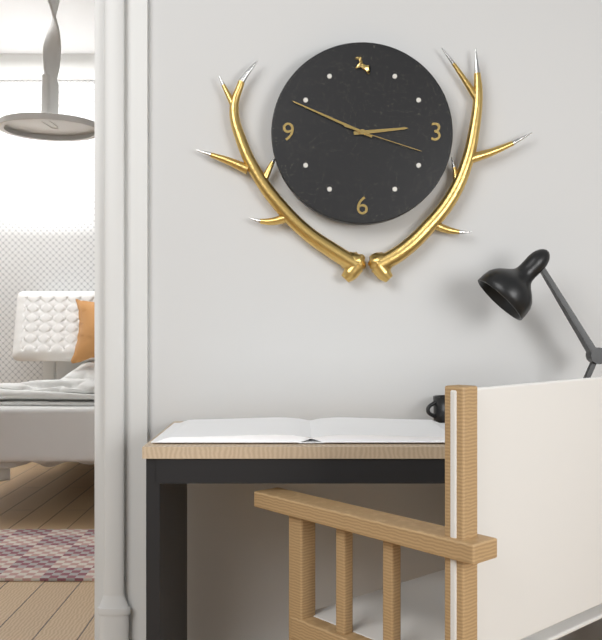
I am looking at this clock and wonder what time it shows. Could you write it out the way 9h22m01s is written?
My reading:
2h49m18s
